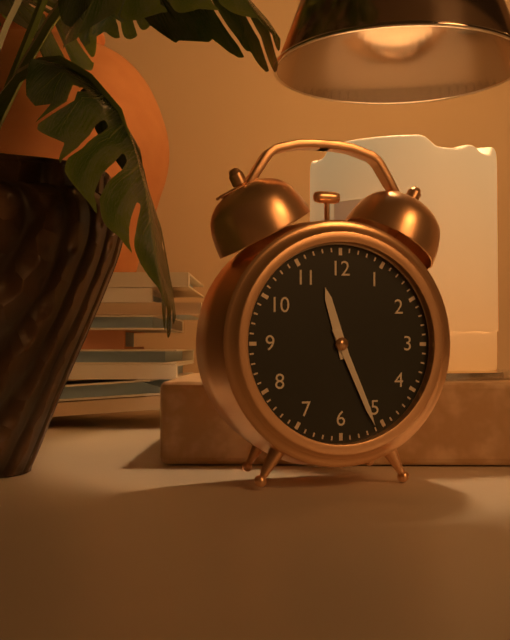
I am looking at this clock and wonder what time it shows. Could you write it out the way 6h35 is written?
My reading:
11h26
